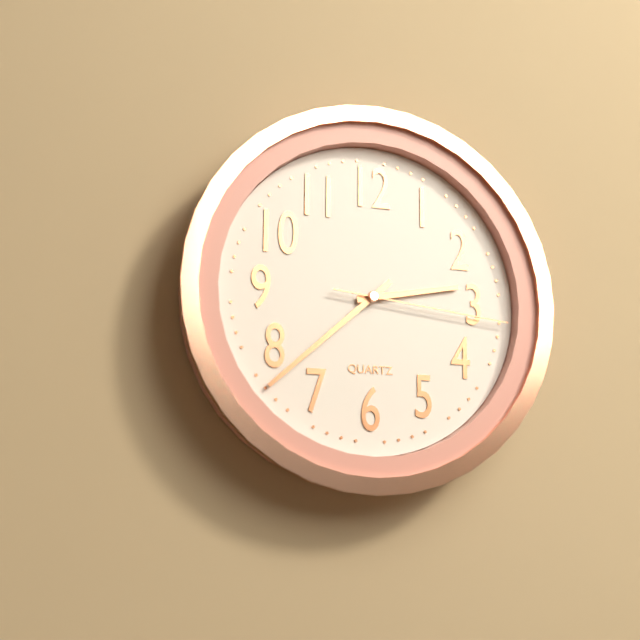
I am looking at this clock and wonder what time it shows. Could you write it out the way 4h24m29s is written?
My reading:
2h38m16s
